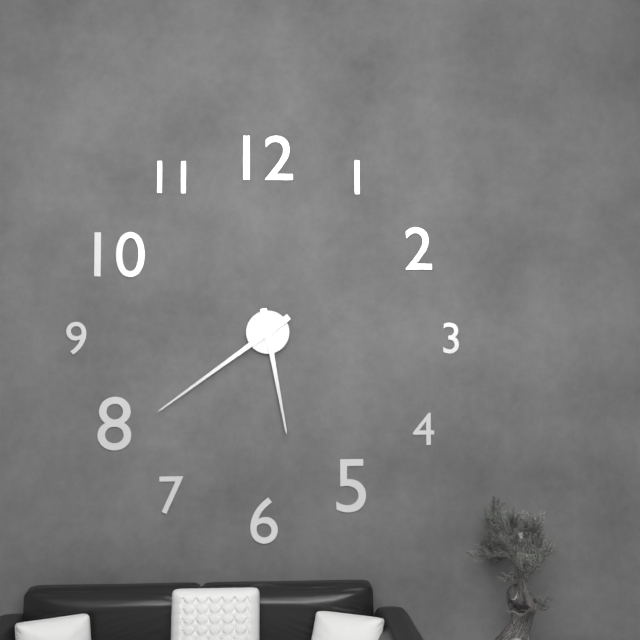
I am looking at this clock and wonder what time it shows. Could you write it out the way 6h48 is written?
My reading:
5h39
